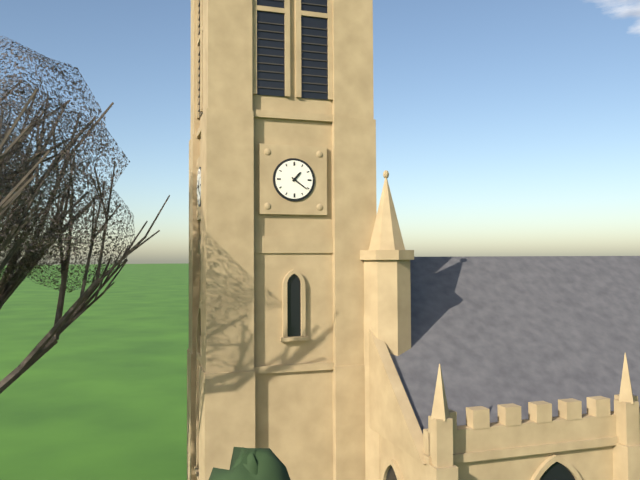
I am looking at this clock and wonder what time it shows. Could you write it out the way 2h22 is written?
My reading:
1h21
